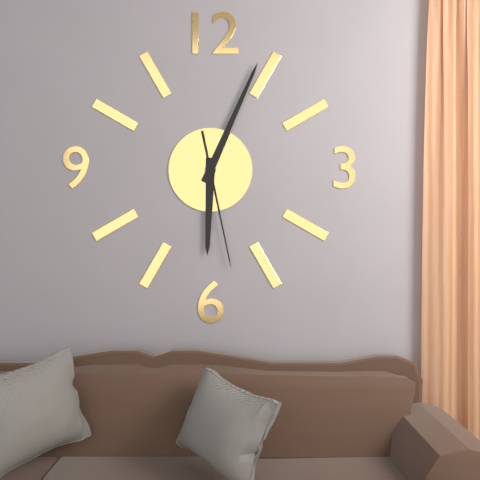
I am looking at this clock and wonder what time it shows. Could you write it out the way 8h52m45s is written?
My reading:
6h04m28s
